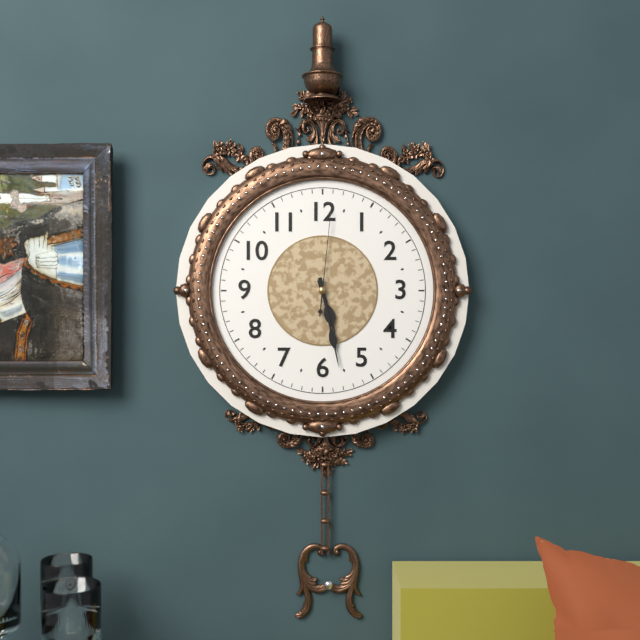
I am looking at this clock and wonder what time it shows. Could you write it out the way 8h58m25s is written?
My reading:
5h28m01s
